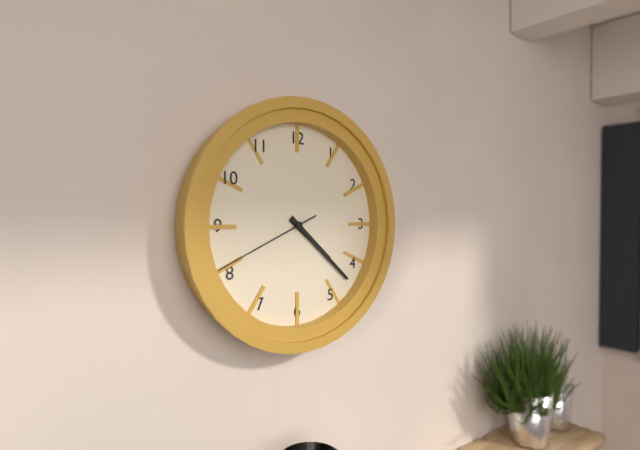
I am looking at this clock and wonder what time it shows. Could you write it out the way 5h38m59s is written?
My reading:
4h22m41s
